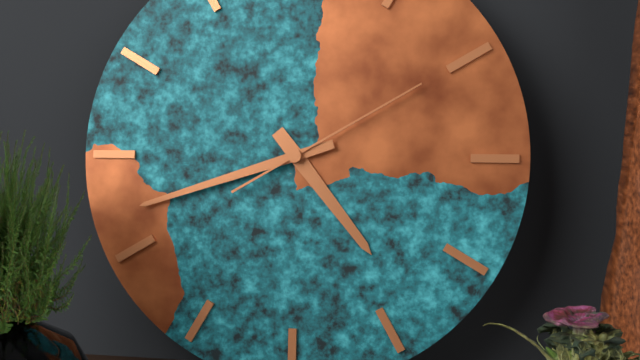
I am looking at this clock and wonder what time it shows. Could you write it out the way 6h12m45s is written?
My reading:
4h42m10s
